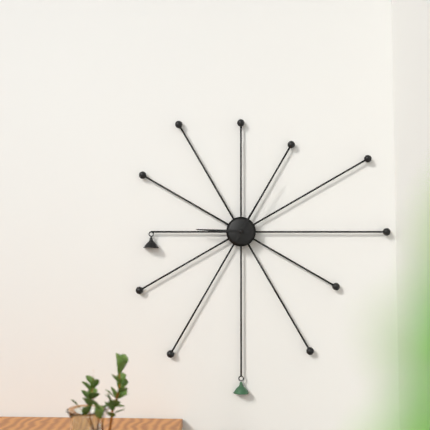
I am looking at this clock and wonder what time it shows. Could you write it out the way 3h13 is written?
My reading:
9h05
